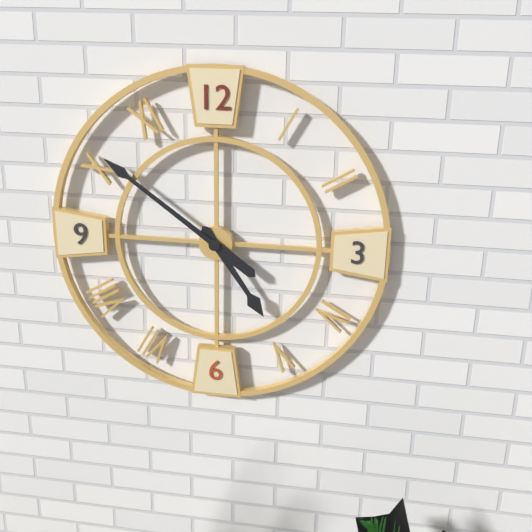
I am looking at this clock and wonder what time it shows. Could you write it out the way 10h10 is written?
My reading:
4h51
